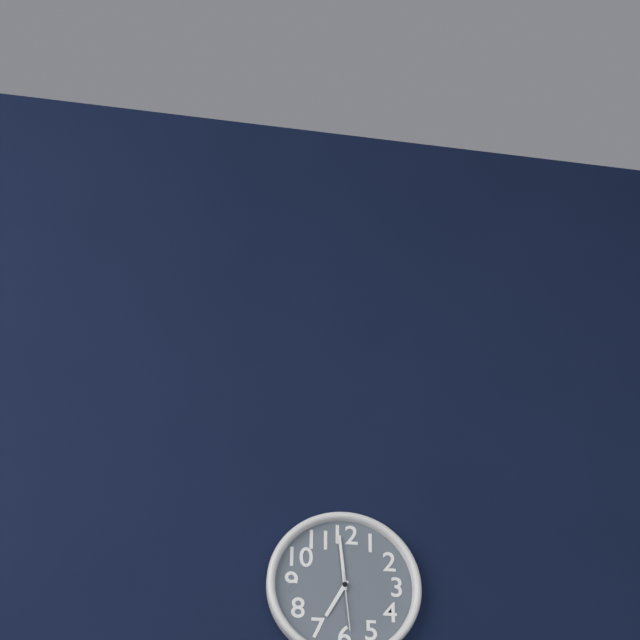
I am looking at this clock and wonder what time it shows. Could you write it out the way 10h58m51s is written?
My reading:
6h59m29s
